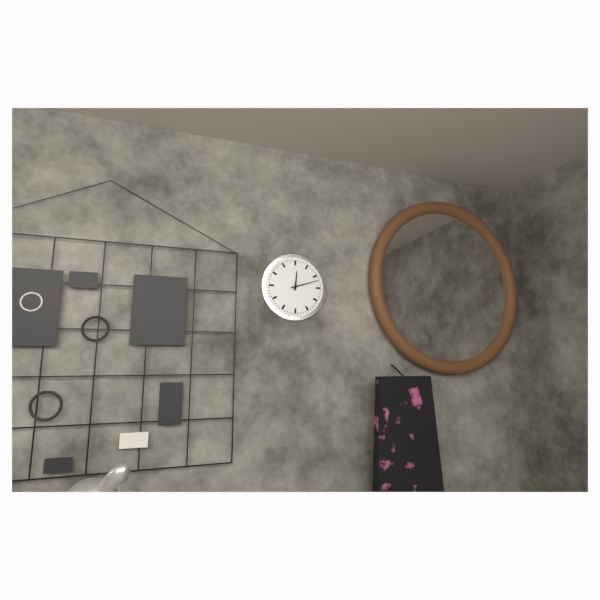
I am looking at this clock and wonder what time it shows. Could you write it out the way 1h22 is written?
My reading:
12h12
